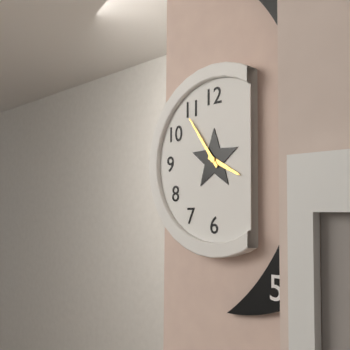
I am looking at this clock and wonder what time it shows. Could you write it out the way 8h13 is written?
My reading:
3h54
